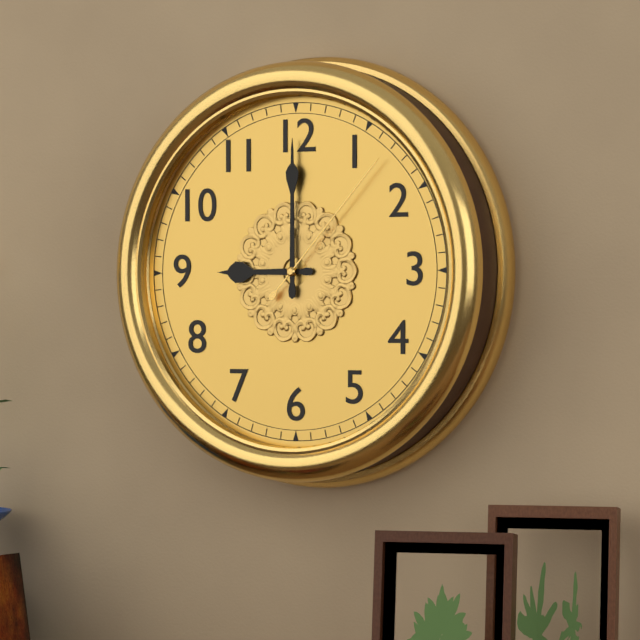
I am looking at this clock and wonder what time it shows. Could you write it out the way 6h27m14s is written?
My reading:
9h00m07s
